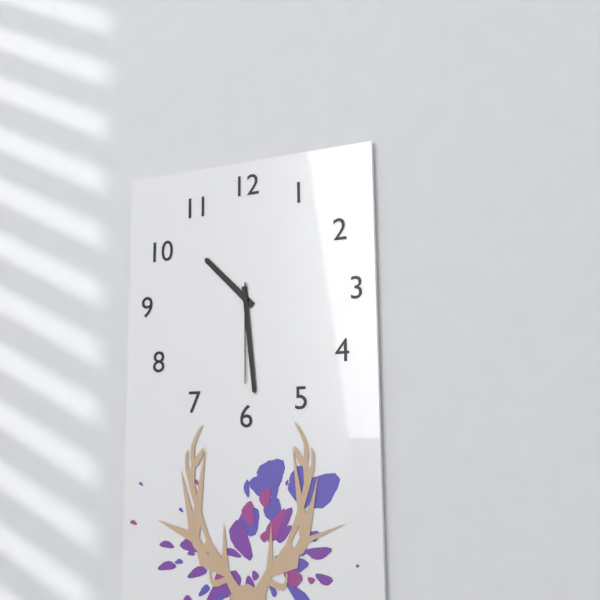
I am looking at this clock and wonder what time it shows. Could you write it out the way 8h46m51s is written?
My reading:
10h29m30s
